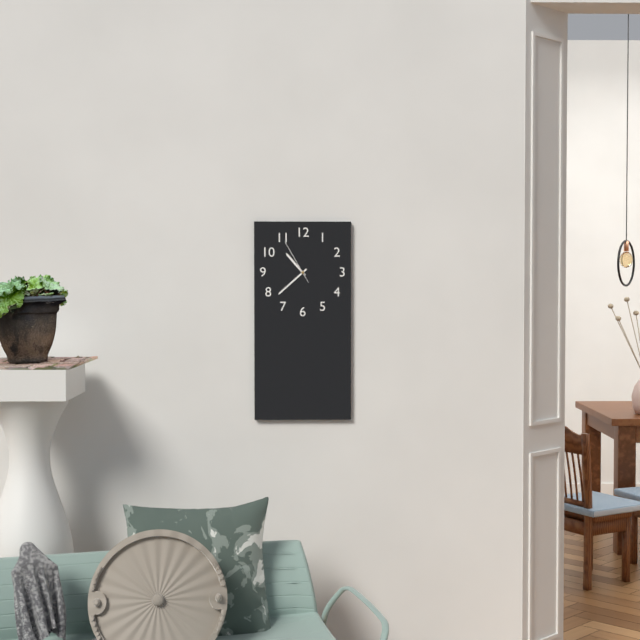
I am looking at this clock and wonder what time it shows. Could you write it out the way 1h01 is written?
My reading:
10h38
